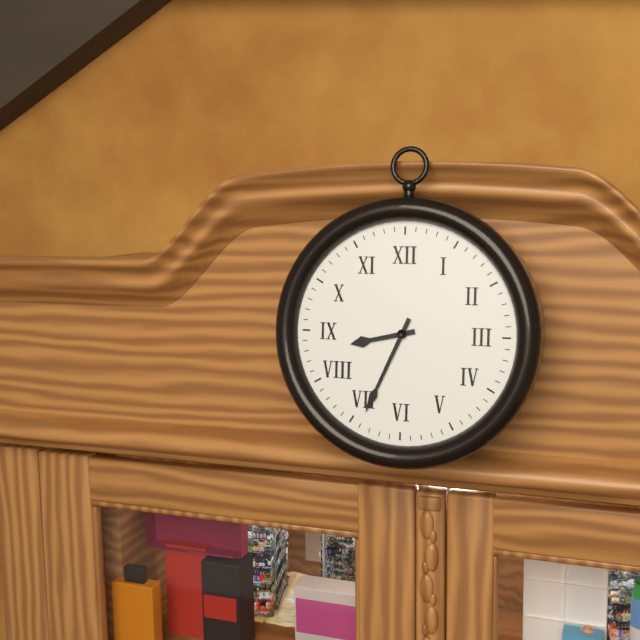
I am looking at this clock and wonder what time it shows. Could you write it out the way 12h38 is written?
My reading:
8h34
